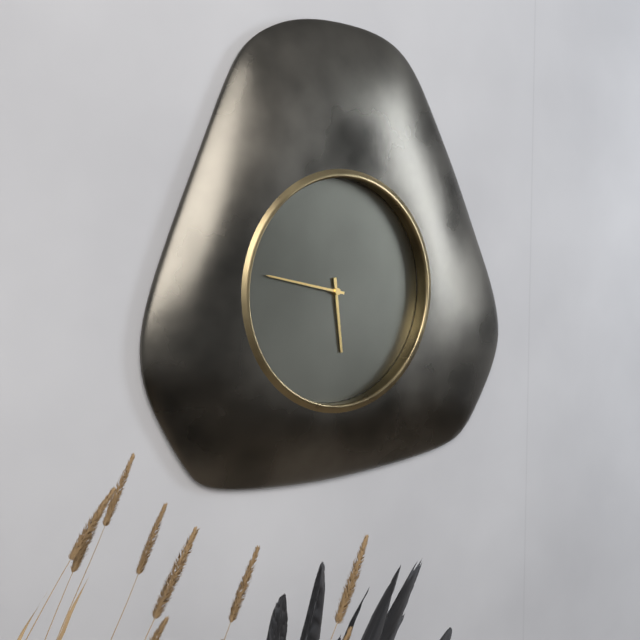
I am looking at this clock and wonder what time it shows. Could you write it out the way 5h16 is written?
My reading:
5h47
